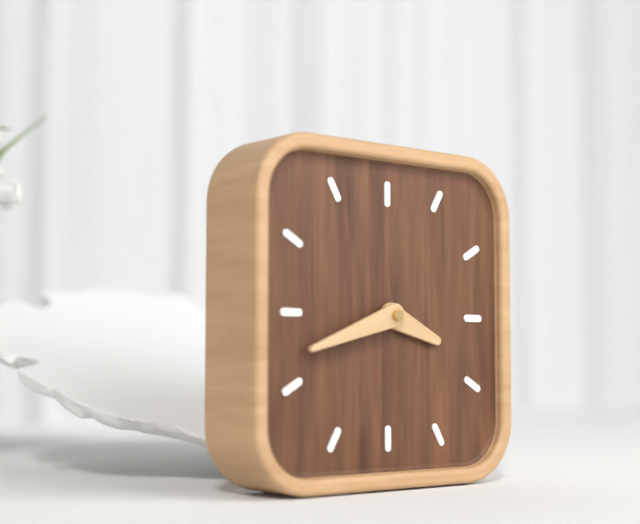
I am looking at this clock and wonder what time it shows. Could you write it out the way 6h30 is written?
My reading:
3h42
